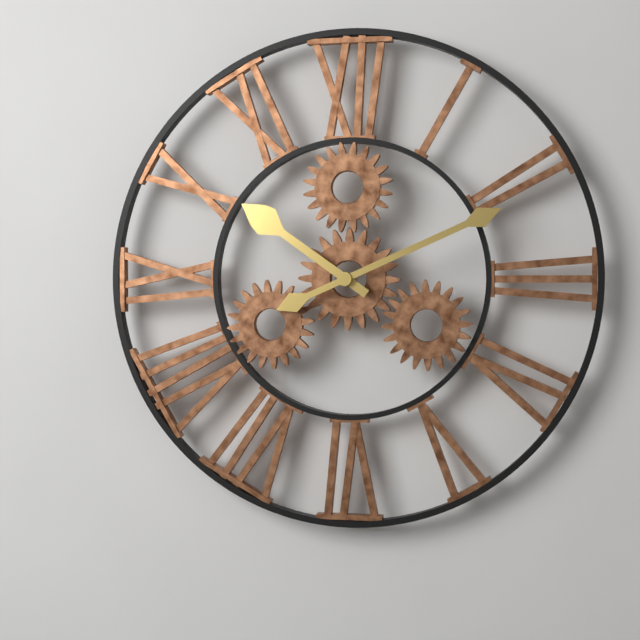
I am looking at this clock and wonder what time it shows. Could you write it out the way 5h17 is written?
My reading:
10h11
